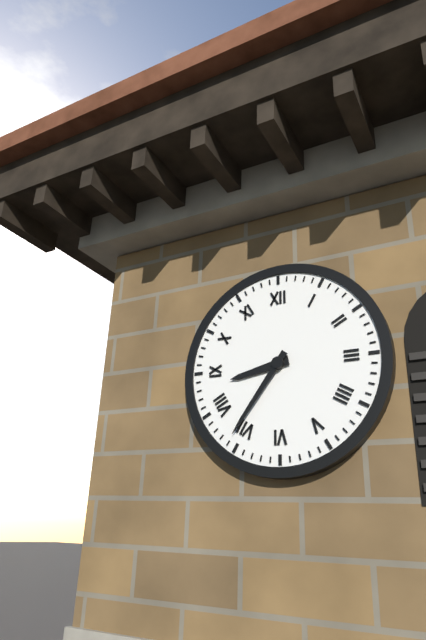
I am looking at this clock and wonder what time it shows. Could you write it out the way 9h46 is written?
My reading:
8h36
